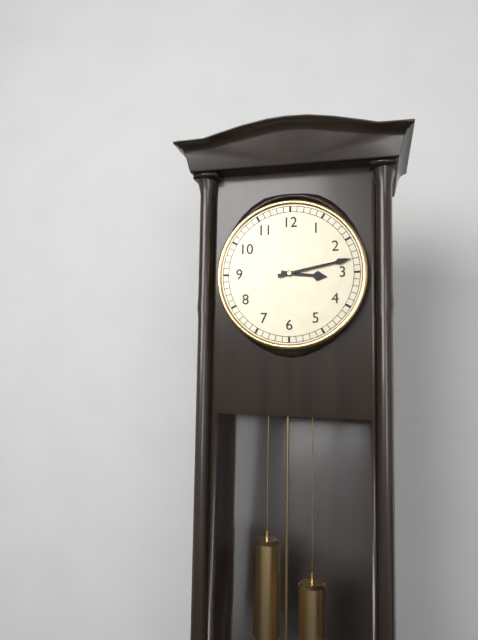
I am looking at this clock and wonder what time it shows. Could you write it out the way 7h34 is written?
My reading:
3h13
